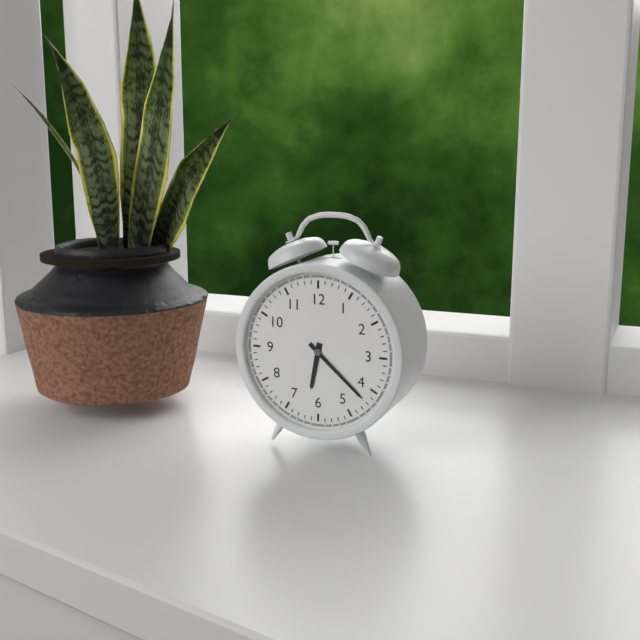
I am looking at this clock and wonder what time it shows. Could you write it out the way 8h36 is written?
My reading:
6h22
